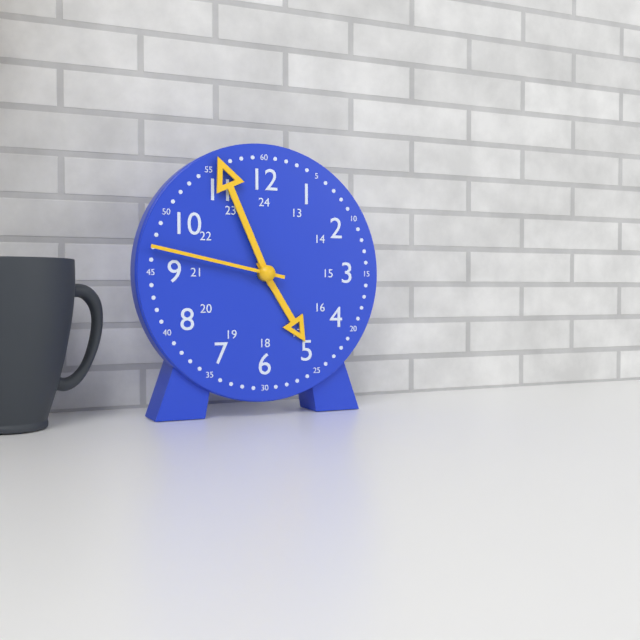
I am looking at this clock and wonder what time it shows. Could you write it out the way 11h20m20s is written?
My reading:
4h56m47s
